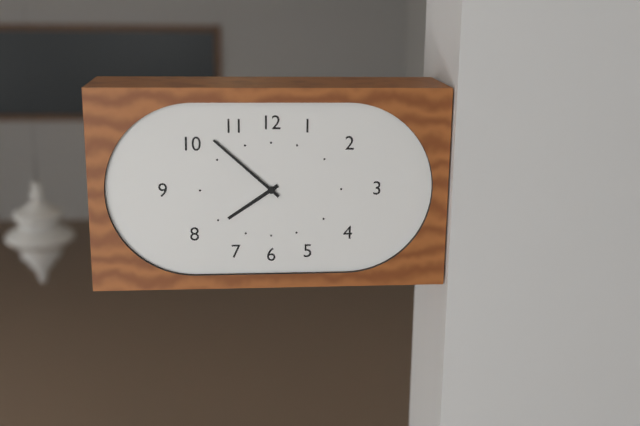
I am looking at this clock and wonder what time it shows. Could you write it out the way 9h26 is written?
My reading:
7h52
